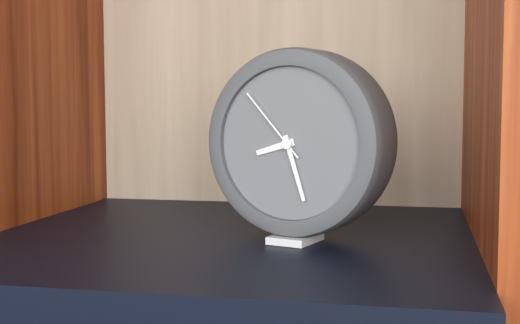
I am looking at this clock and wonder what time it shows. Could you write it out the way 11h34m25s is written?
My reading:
8h27m53s
